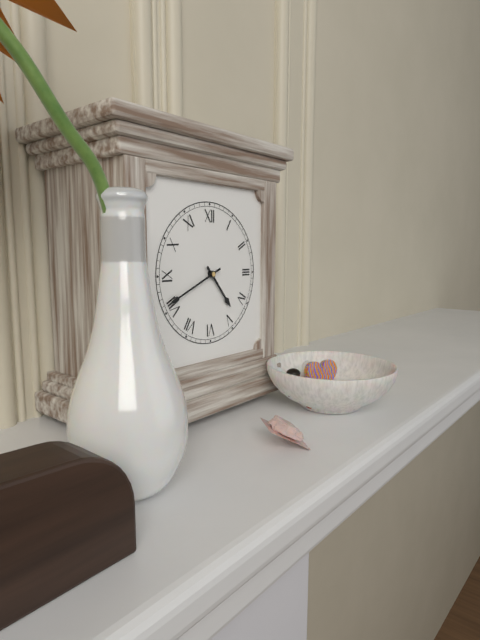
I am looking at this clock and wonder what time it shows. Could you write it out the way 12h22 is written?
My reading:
4h41
